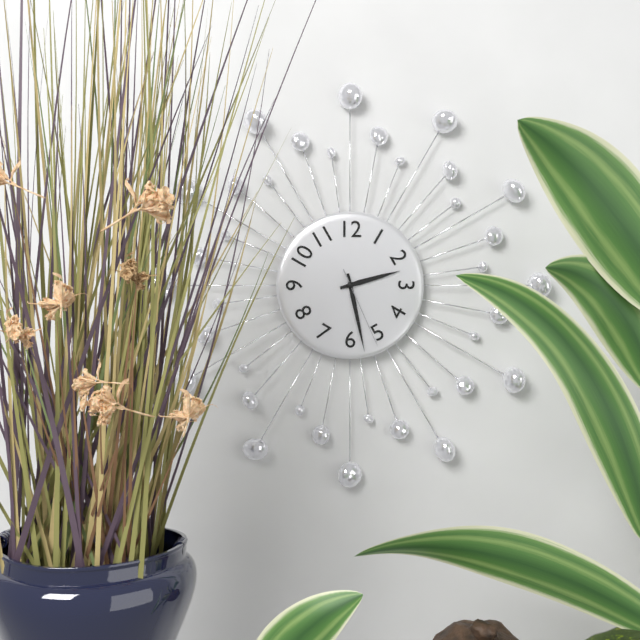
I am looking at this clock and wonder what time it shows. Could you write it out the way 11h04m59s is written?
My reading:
2h28m26s
